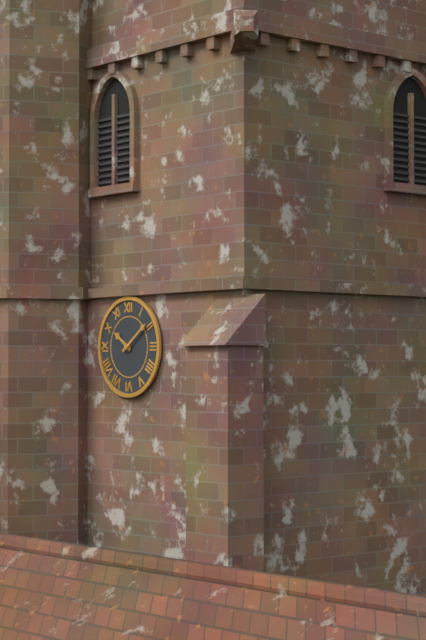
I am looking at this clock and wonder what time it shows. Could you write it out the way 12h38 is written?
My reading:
10h09
